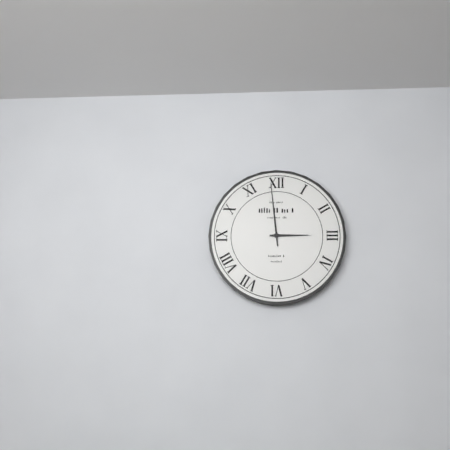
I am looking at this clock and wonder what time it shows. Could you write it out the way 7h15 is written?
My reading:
2h59
